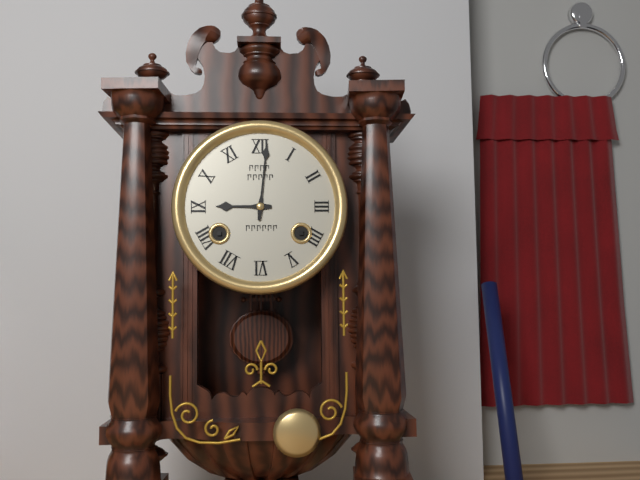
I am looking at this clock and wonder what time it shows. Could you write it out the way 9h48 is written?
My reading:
9h01
